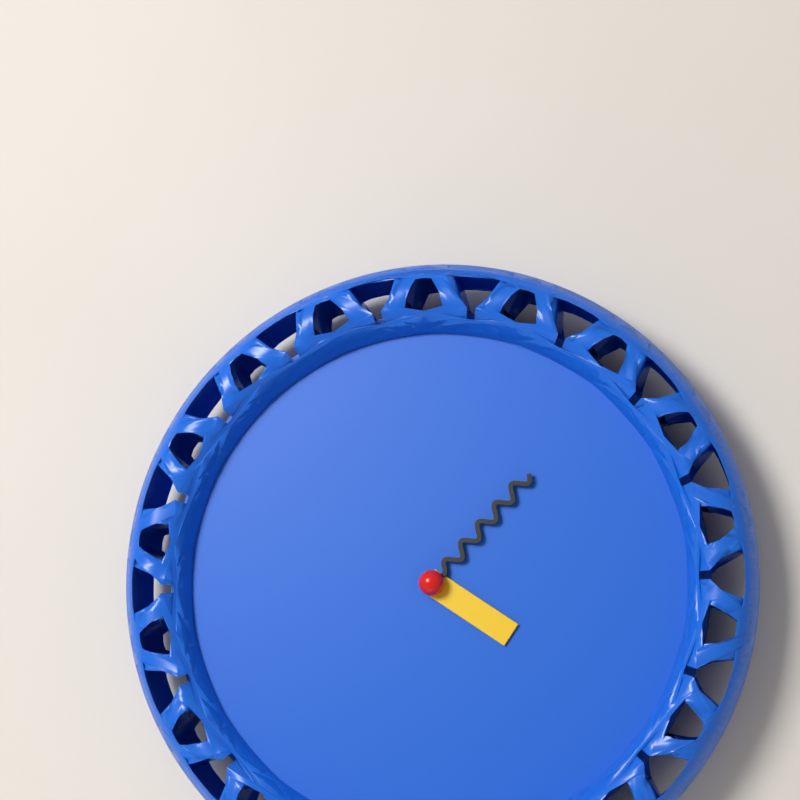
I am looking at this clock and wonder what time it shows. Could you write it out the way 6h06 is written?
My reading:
4h07
